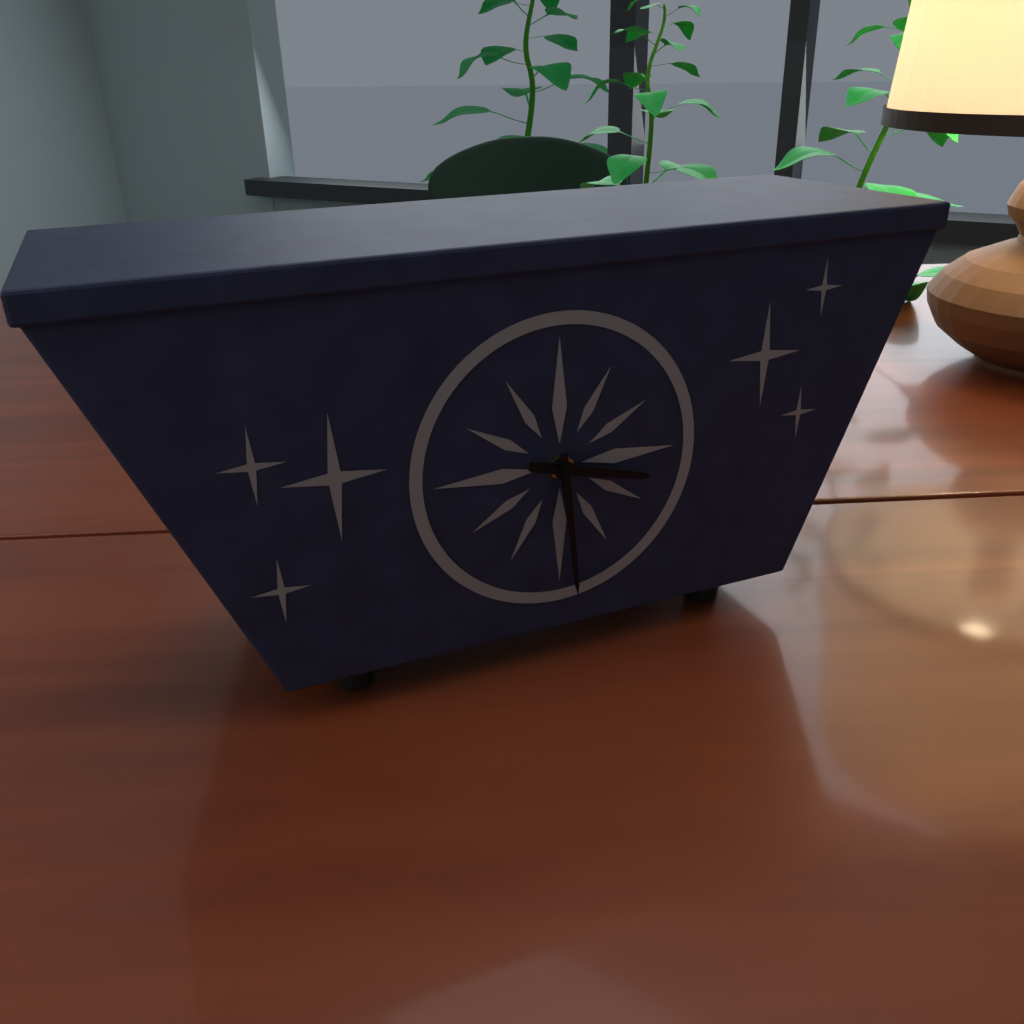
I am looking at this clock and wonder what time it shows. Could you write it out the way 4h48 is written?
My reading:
3h29
